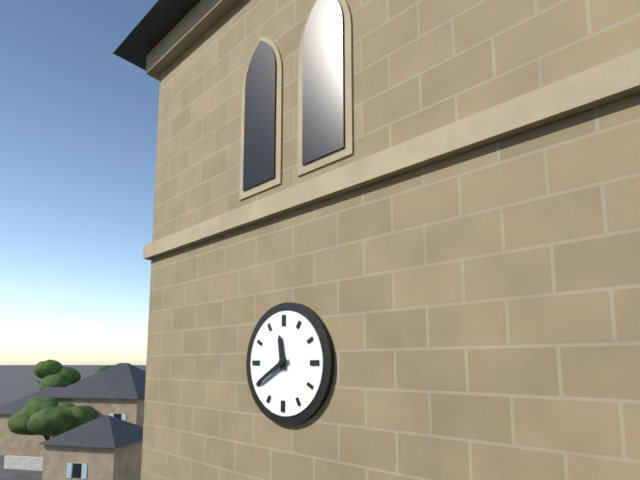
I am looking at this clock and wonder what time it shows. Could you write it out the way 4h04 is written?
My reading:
11h40
